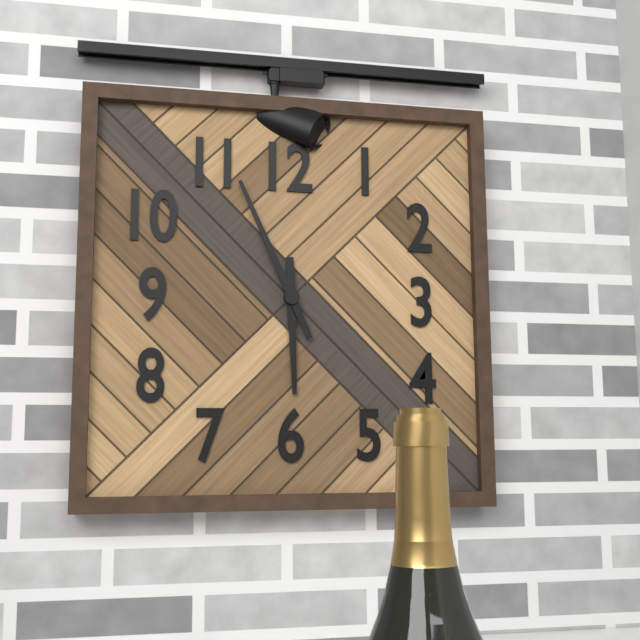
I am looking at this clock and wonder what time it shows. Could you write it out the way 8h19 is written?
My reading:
5h56
